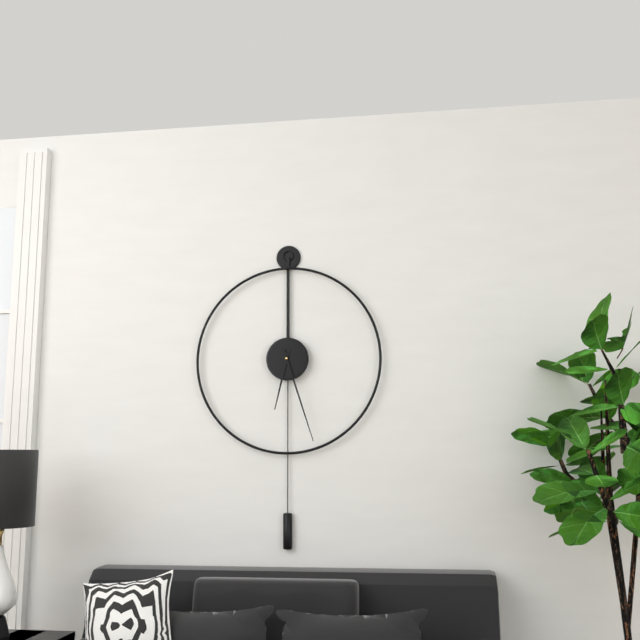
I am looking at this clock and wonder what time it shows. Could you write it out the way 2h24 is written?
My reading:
6h27
